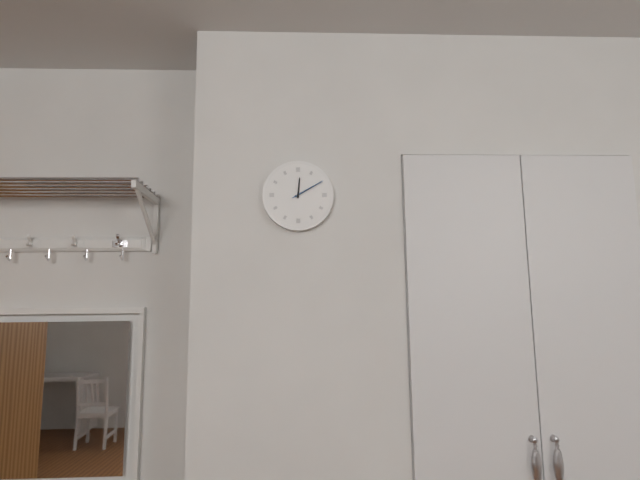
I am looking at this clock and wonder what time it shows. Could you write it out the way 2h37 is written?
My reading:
12h10
